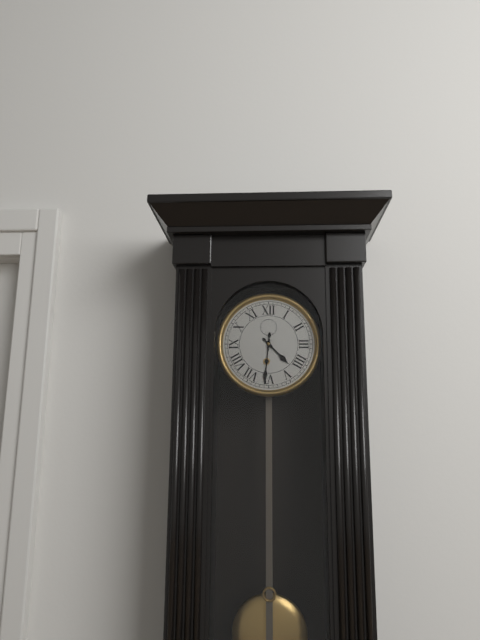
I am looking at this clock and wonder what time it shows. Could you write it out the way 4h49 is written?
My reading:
4h31
